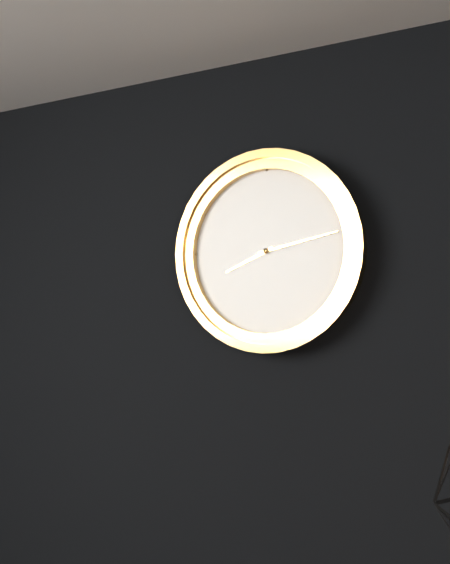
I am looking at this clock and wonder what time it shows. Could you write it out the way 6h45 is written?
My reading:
8h13
